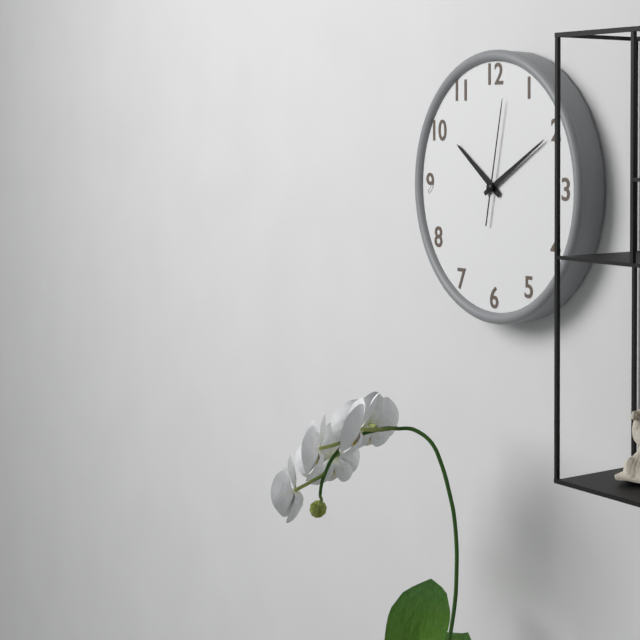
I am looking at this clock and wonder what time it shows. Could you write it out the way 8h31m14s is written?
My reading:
10h10m02s
